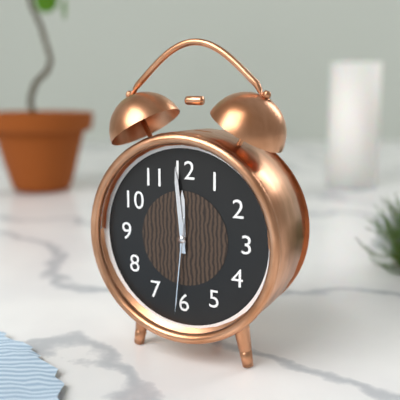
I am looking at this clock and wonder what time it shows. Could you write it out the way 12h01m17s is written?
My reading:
11h59m31s
